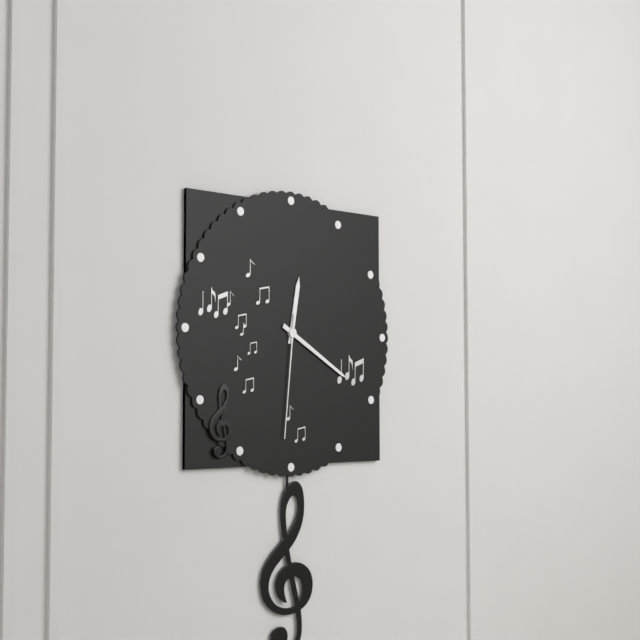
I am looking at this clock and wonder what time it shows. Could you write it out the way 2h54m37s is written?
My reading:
12h20m31s
